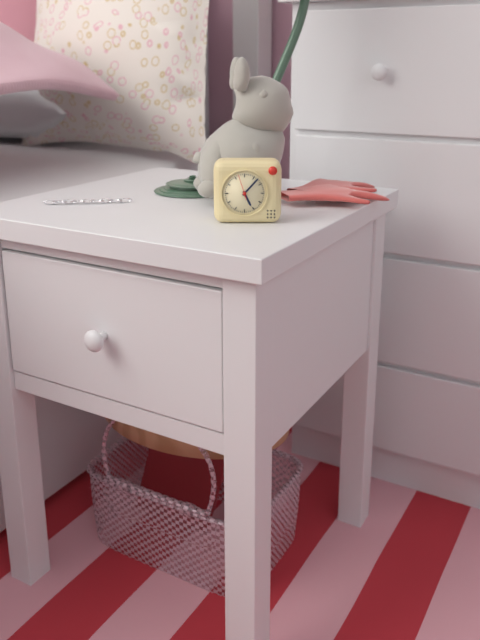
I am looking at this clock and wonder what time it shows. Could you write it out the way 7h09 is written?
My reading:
5h07
